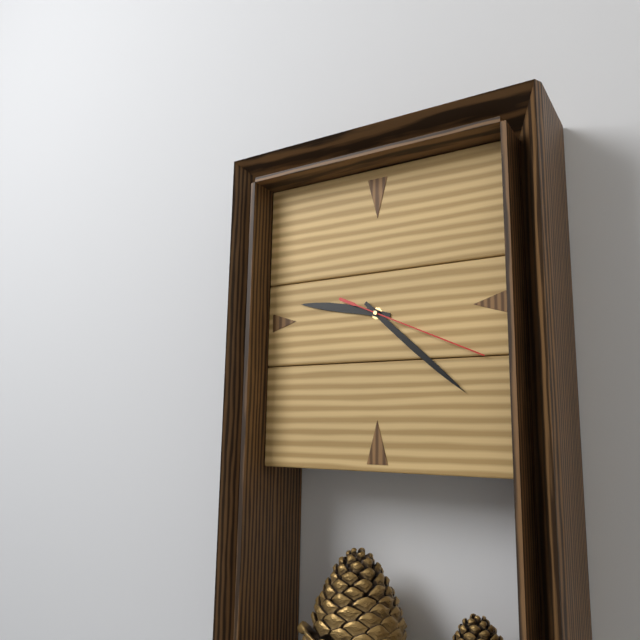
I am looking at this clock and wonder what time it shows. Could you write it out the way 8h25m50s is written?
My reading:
9h22m19s
